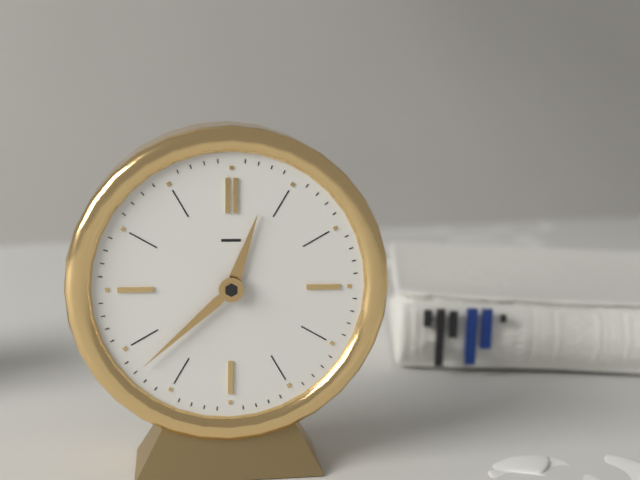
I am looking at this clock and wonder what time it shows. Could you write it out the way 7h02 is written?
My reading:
12h38
